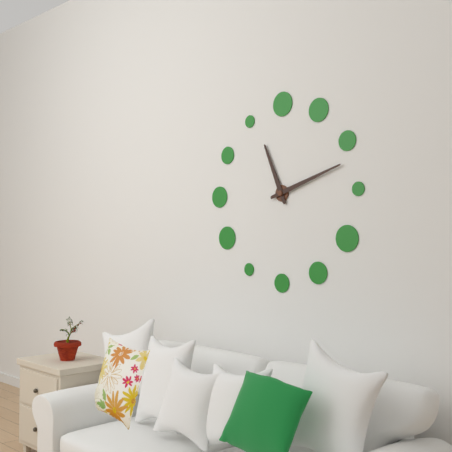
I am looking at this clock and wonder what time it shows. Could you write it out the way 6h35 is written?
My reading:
11h12
